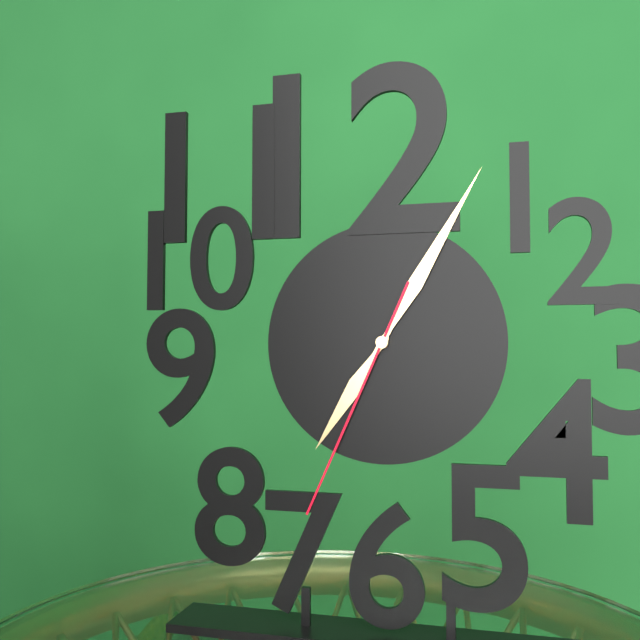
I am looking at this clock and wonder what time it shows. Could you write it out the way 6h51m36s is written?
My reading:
7h05m34s
